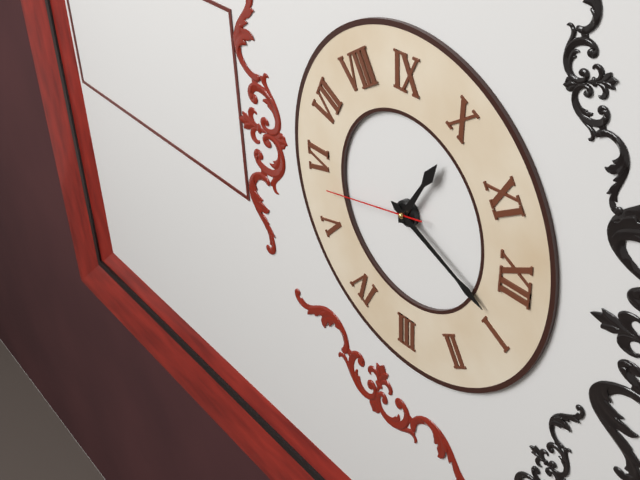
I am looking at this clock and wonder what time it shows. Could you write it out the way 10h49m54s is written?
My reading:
10h04m28s
